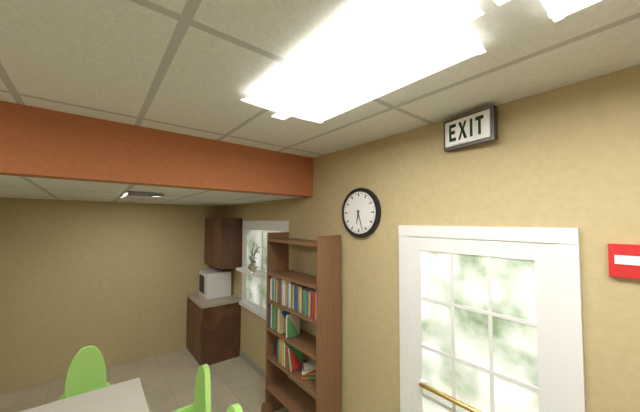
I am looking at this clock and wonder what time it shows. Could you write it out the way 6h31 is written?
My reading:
6h27
